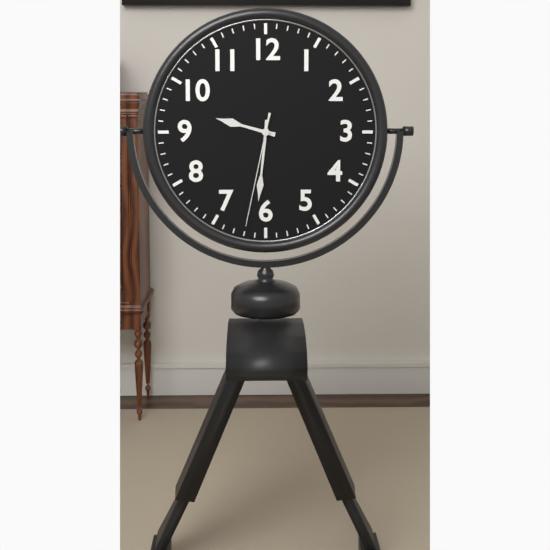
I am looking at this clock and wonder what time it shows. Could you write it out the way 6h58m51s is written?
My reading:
9h31m32s
